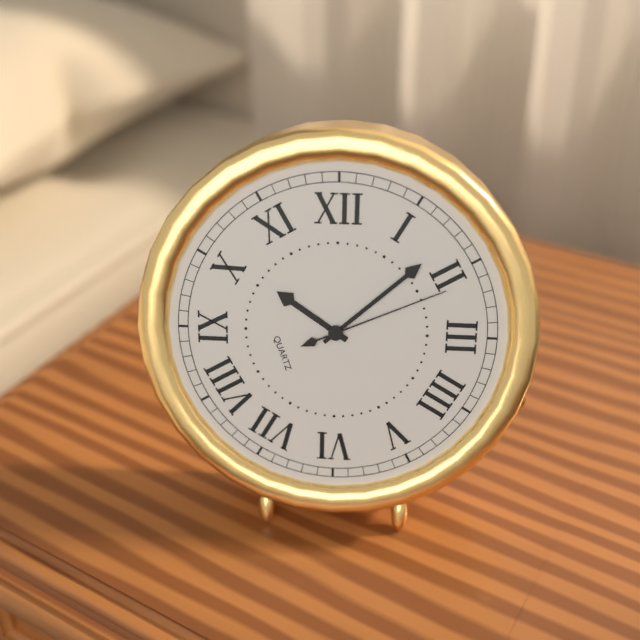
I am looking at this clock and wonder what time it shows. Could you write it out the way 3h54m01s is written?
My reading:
10h08m11s
